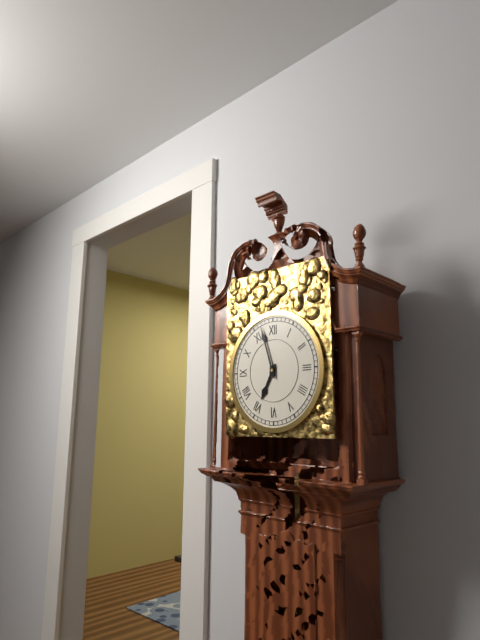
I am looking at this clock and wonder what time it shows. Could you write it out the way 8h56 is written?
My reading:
6h57
